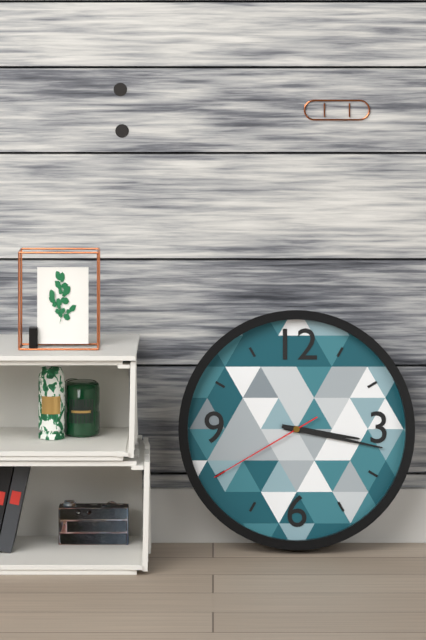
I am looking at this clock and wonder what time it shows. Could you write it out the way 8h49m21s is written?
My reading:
3h17m40s
